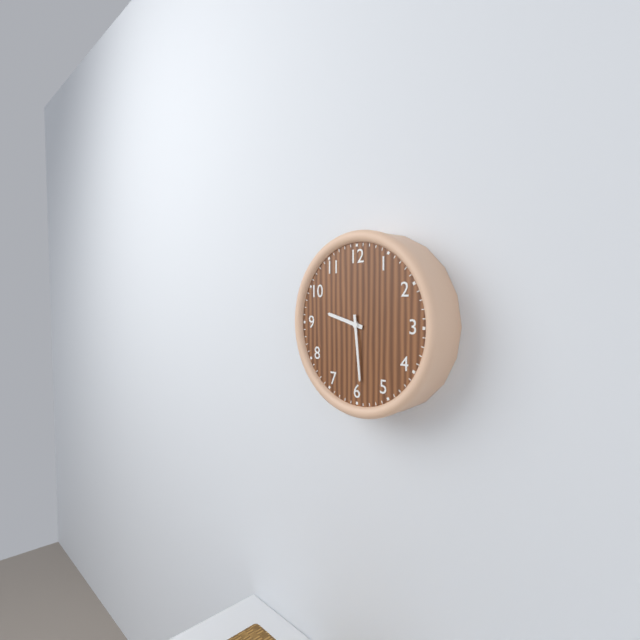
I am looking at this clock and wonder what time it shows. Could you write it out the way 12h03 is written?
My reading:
9h29
